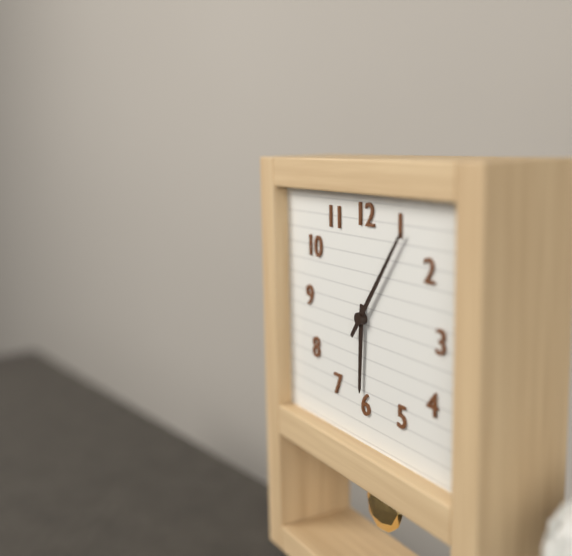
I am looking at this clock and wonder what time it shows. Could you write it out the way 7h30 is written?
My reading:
6h06
